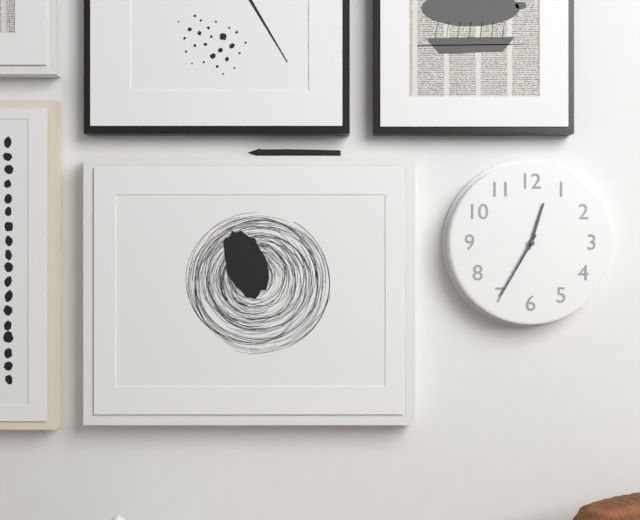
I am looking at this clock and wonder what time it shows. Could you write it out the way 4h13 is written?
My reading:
12h35
